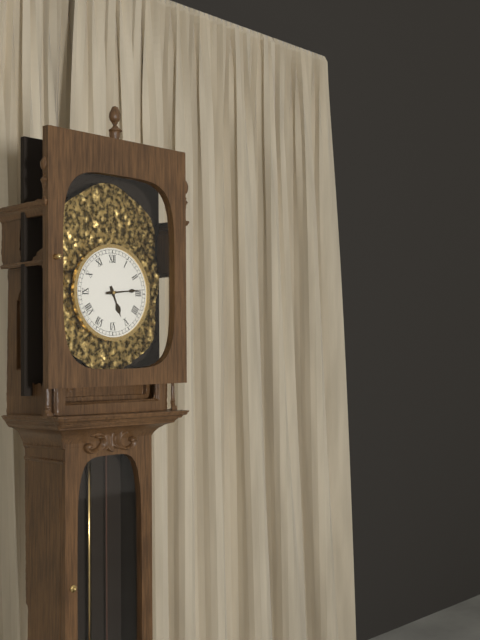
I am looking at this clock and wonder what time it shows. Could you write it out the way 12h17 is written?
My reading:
5h14
